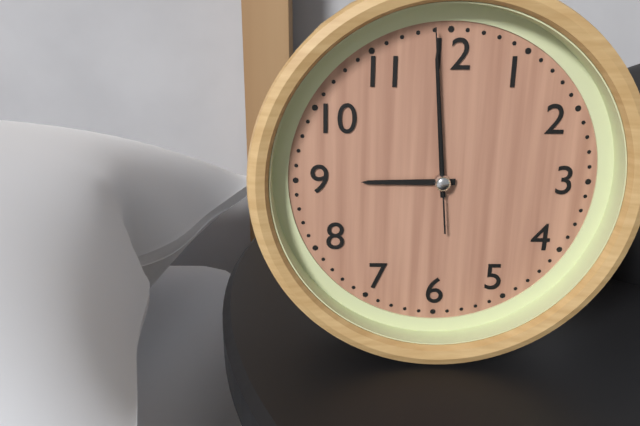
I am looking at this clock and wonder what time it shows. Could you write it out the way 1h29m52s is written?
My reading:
8h59m59s
